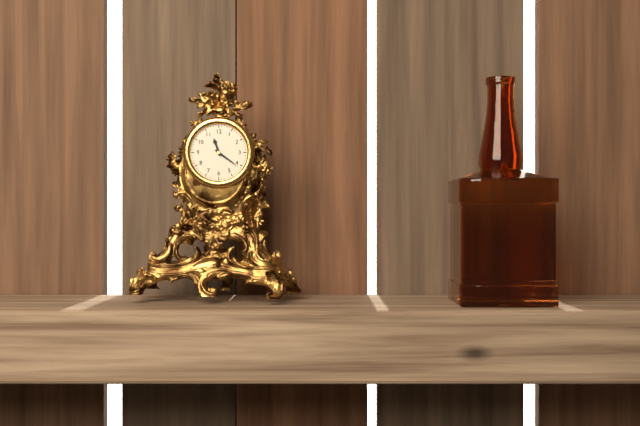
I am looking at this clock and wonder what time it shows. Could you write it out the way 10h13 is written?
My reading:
11h21
